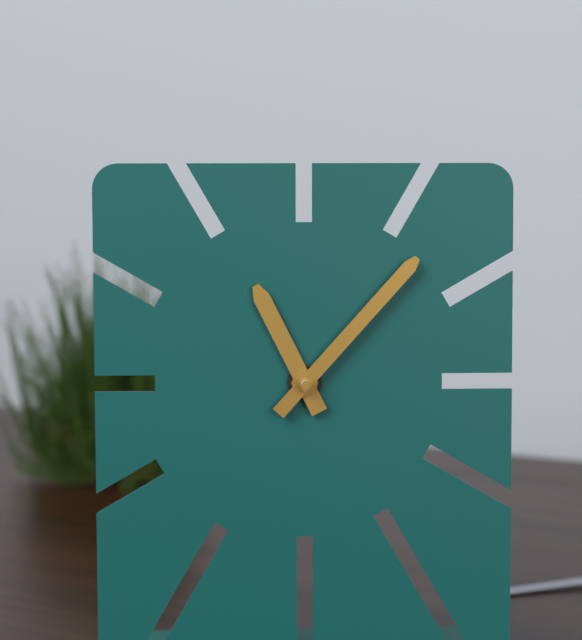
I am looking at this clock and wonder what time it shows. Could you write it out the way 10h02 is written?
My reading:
11h07
